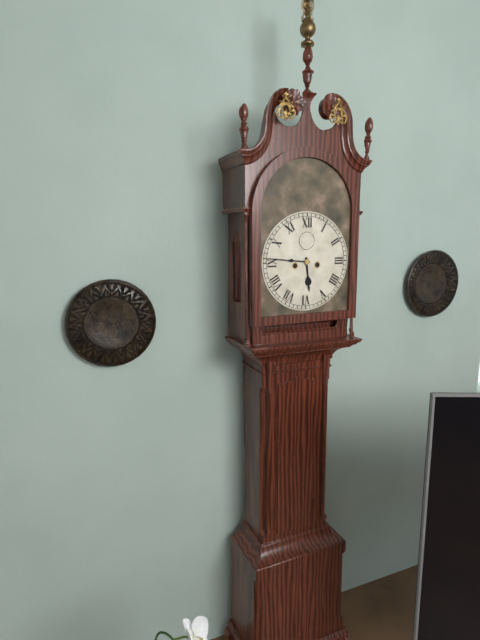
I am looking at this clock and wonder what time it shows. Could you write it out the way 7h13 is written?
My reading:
5h46
